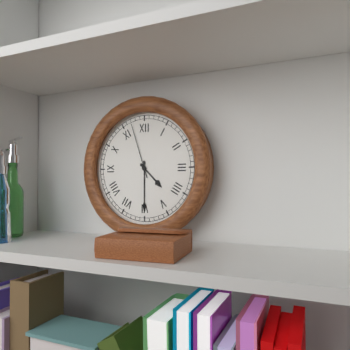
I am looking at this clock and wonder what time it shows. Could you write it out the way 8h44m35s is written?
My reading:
4h30m57s
